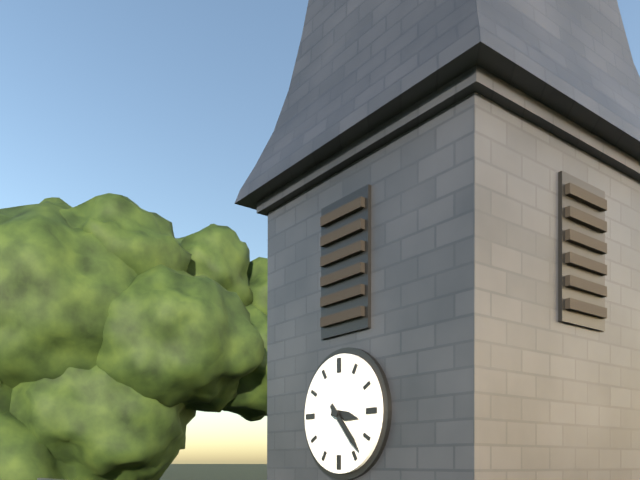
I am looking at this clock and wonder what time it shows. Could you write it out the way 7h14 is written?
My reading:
3h23
